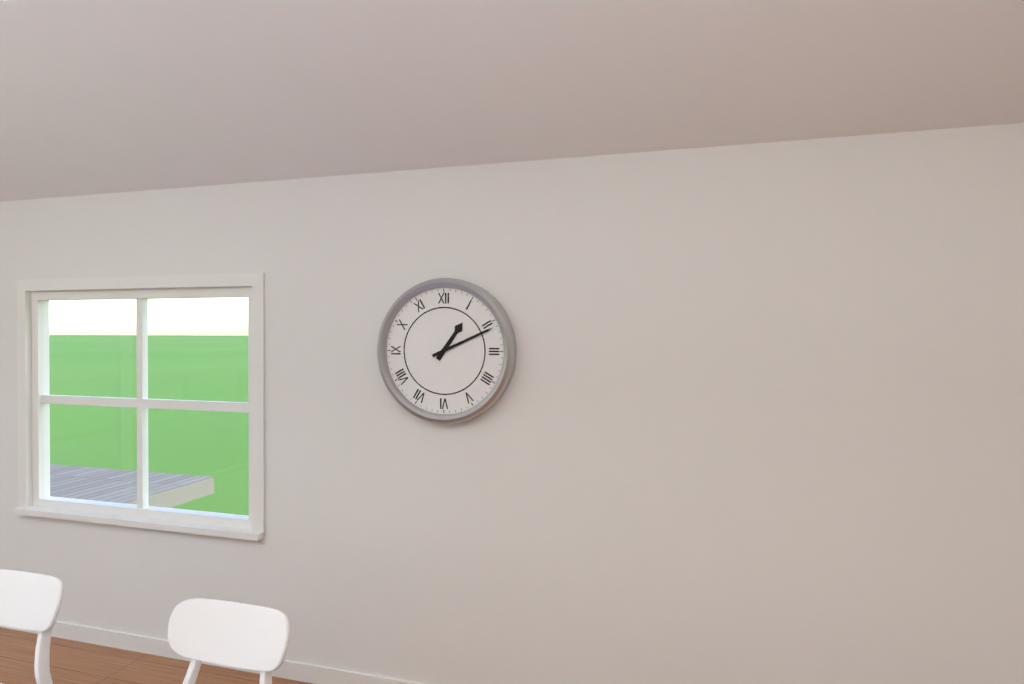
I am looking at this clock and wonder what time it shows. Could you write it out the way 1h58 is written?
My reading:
1h11
